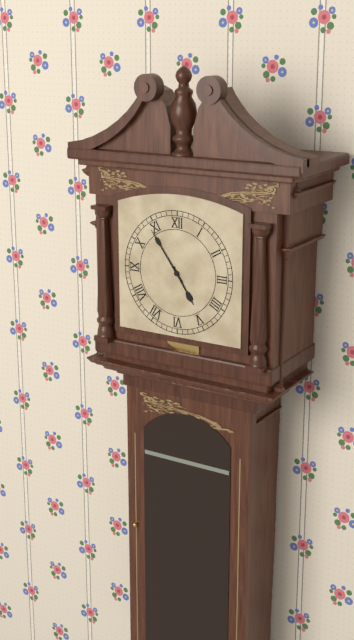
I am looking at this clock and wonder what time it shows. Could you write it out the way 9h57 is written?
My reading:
4h54
